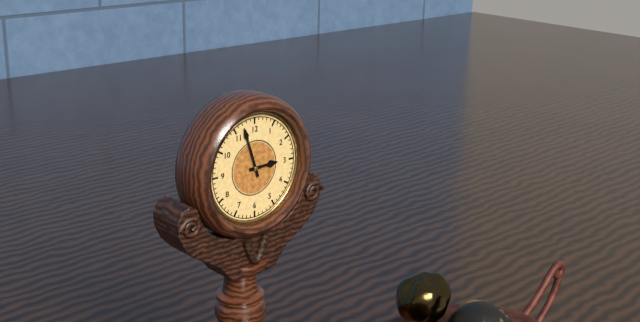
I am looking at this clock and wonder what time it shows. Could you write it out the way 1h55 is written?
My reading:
2h57
